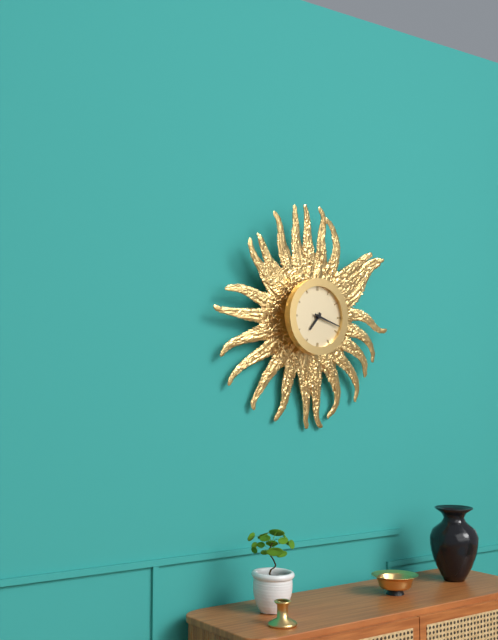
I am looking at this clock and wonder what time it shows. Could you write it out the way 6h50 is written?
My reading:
7h18
